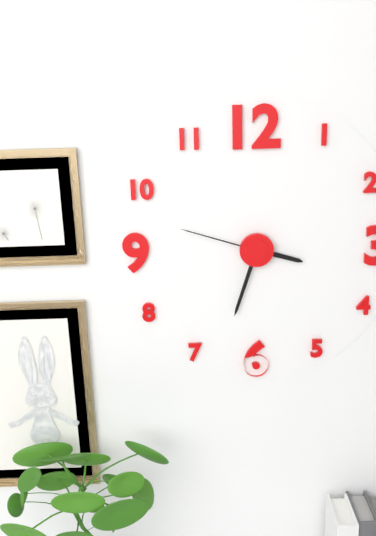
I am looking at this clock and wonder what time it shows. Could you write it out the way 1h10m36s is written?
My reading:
3h33m48s
